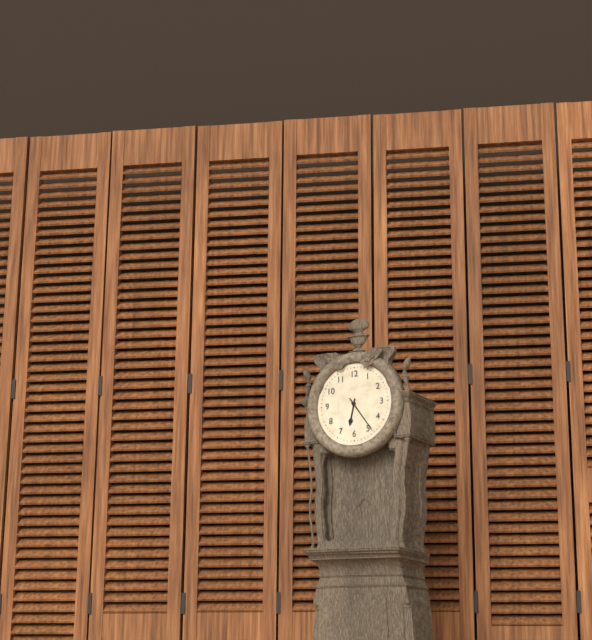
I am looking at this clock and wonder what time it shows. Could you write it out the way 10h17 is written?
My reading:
6h24
